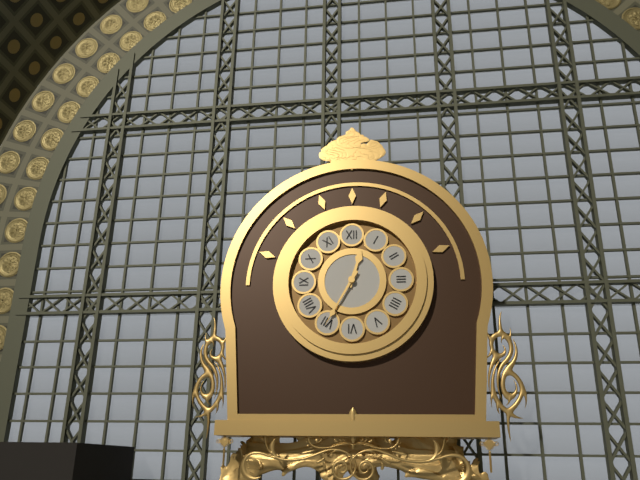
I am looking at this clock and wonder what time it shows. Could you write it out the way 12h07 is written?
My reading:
12h35
